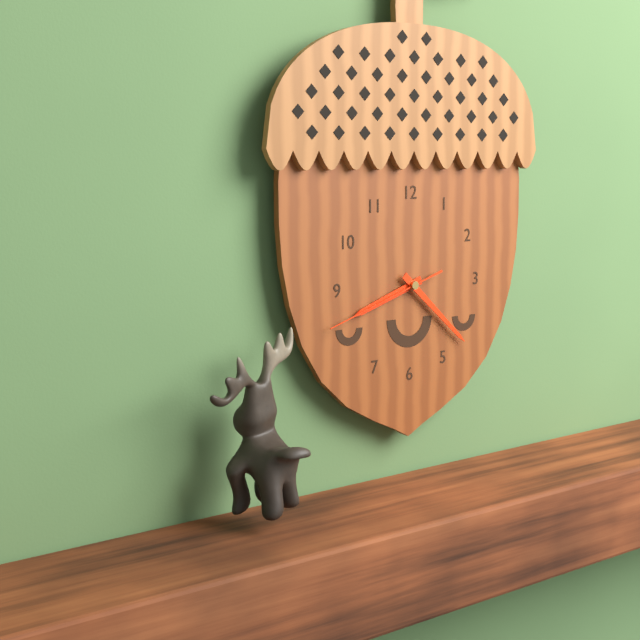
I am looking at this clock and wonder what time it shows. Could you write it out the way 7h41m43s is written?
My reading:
8h22m42s
